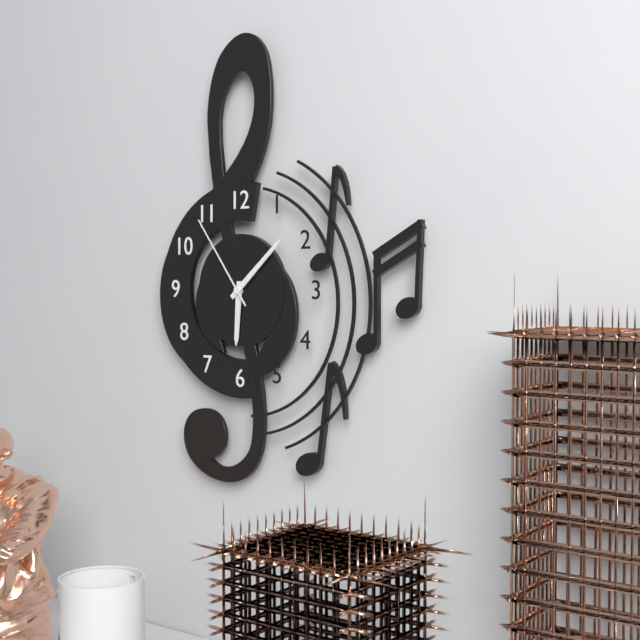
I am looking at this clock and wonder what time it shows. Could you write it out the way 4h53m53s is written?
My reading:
6h08m54s
